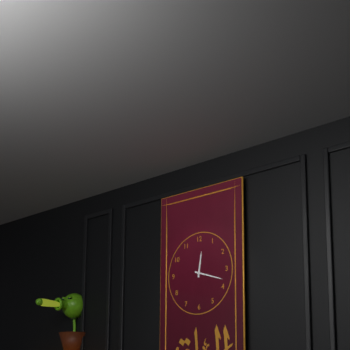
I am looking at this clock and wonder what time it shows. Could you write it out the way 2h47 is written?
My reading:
12h18
